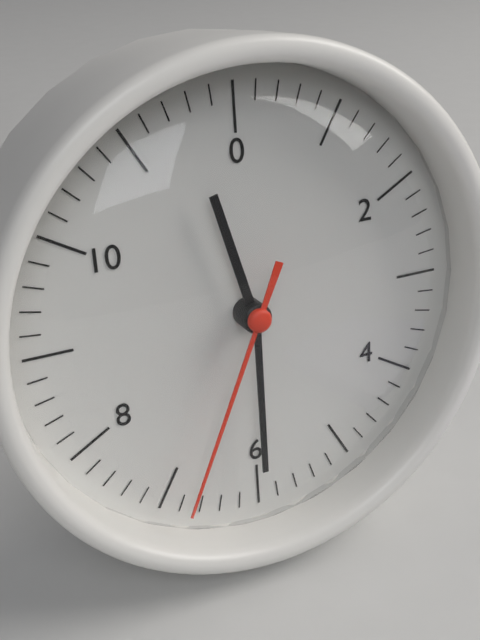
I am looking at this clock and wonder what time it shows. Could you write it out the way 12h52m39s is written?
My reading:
11h30m34s
